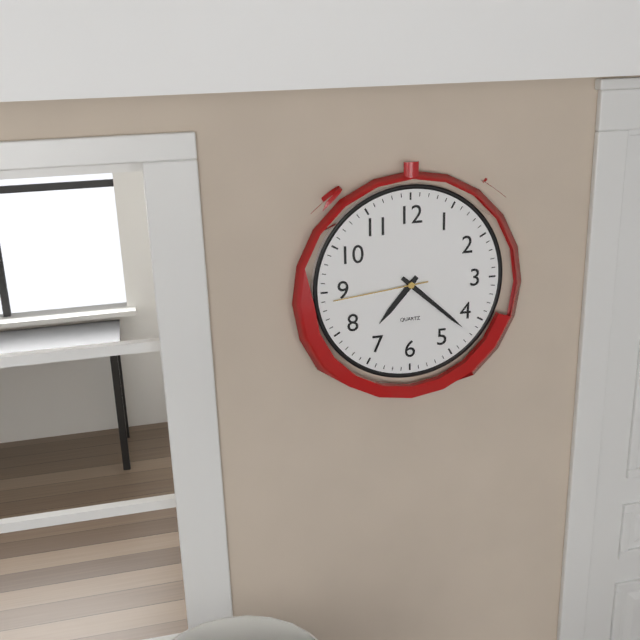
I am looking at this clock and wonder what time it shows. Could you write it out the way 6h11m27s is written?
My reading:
7h22m44s
